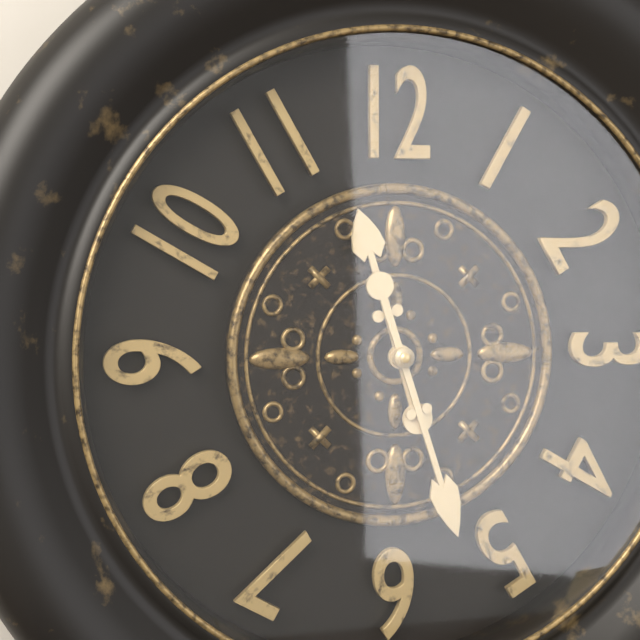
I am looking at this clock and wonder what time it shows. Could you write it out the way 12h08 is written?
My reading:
11h27
